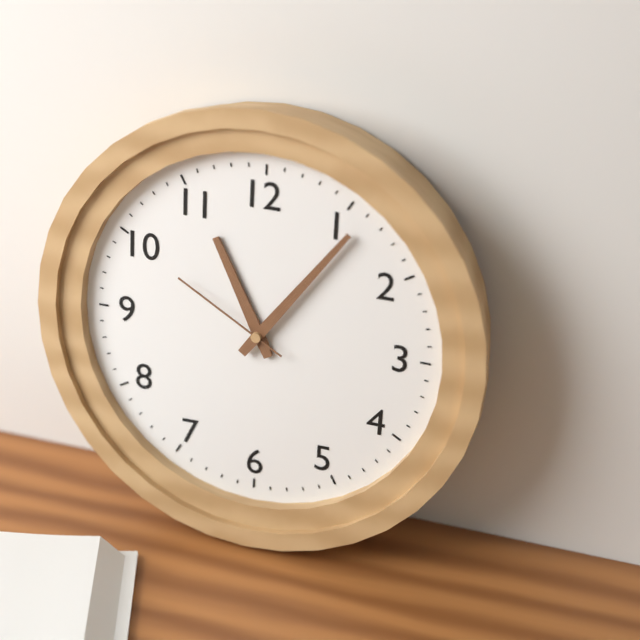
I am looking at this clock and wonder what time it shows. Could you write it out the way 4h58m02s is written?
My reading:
11h06m50s
